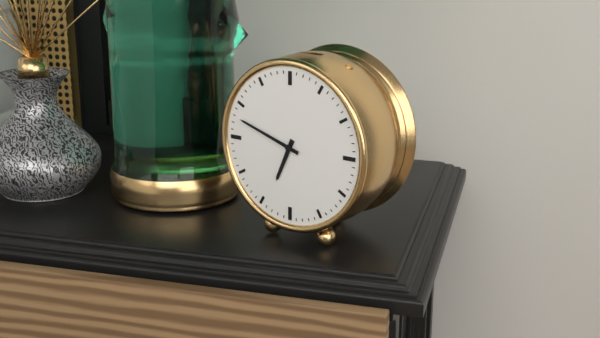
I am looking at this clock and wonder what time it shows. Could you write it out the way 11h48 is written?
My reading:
6h48
